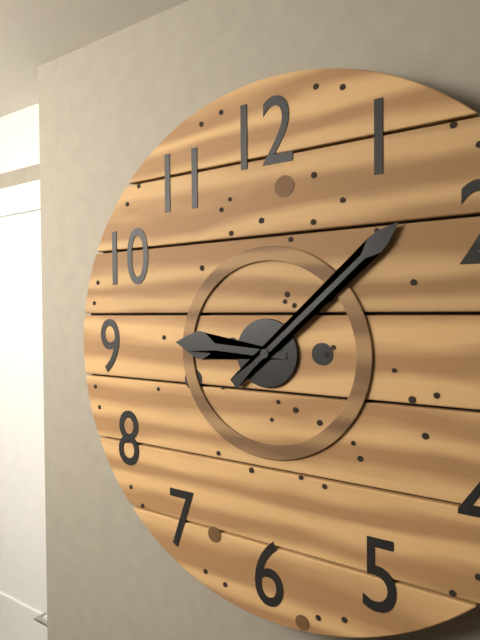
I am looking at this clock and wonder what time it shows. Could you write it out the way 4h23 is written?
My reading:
9h08
